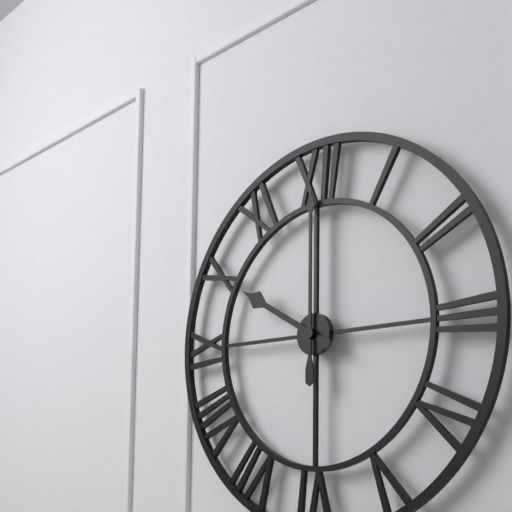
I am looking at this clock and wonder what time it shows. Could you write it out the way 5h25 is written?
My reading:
10h00
